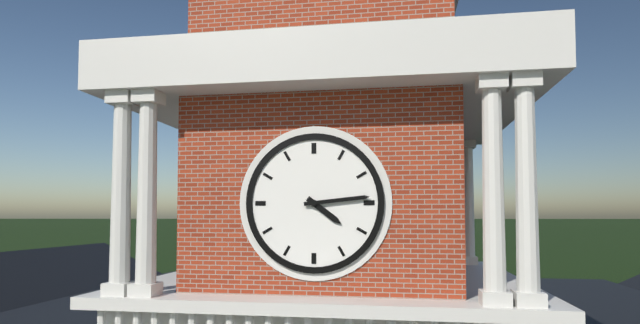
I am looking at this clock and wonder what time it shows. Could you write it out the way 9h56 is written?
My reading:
4h14
